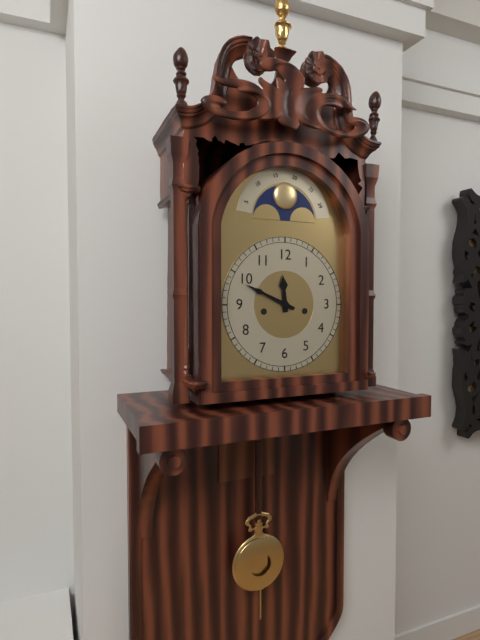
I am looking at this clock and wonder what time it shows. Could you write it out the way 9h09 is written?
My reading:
11h49
